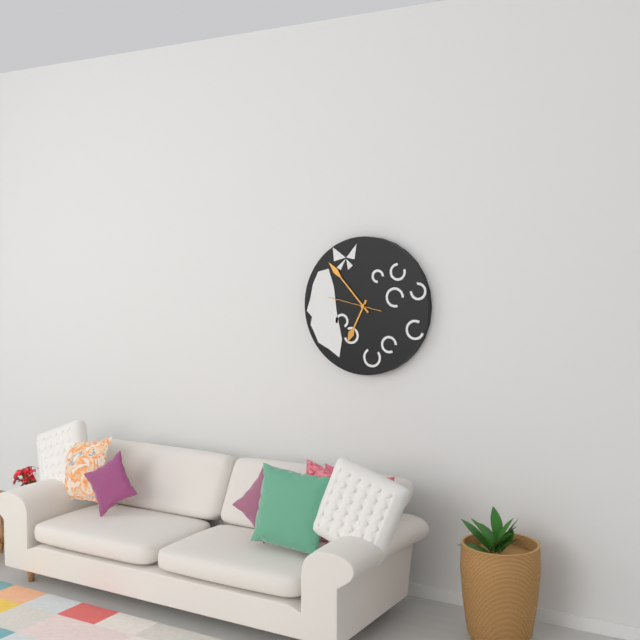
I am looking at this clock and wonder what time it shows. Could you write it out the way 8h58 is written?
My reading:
6h53
